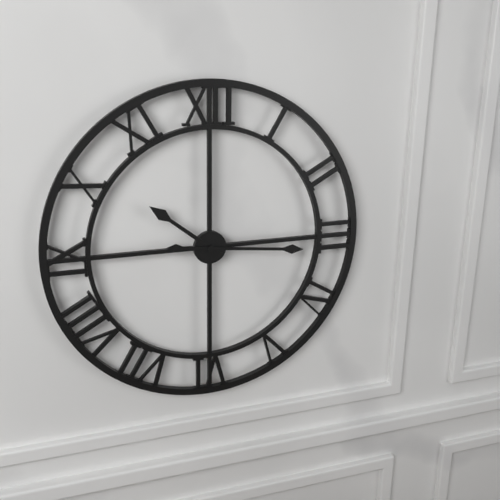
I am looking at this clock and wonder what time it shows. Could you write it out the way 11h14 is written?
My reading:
10h16
